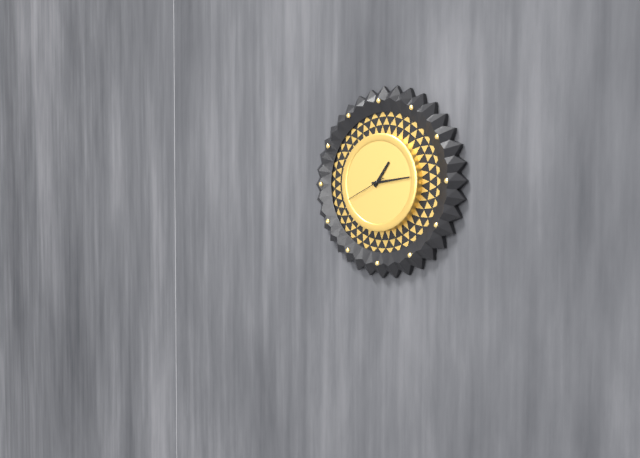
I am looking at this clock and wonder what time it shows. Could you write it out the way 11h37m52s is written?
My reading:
1h14m41s
